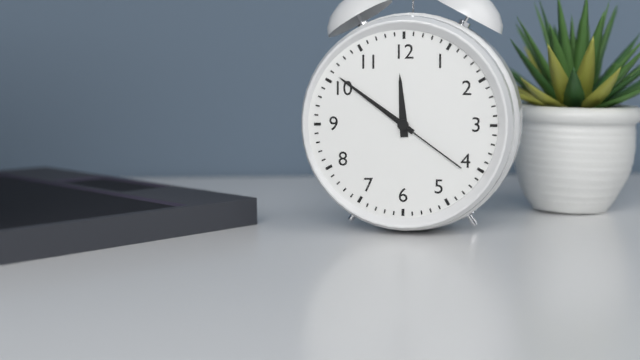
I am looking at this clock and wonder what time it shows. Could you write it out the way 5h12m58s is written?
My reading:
11h51m21s
